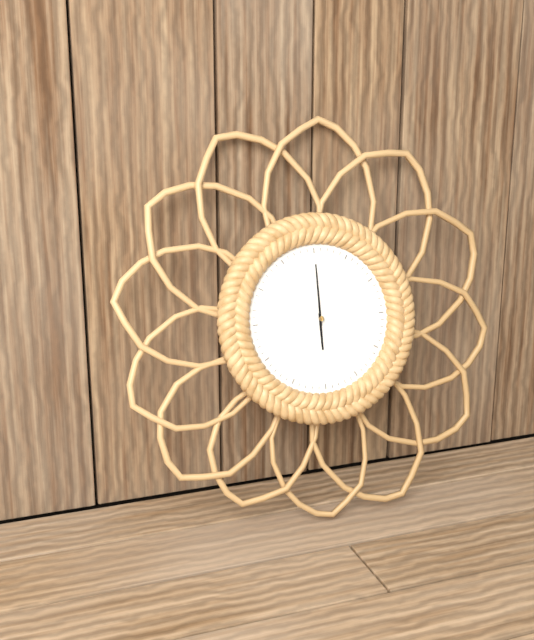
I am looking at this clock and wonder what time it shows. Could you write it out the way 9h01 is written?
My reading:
6h00
